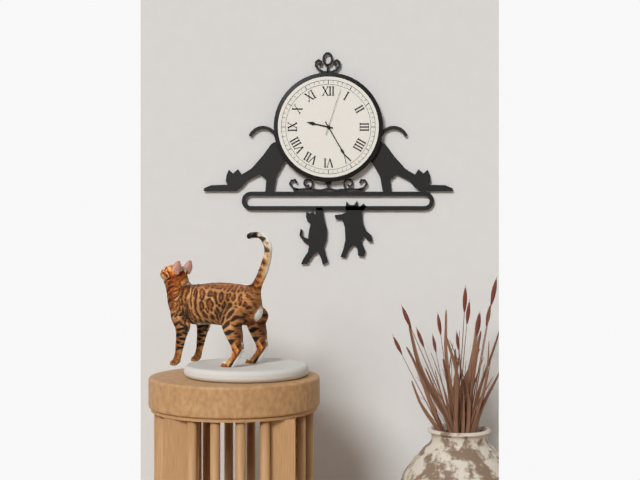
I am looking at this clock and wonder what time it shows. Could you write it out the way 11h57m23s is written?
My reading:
9h25m03s
